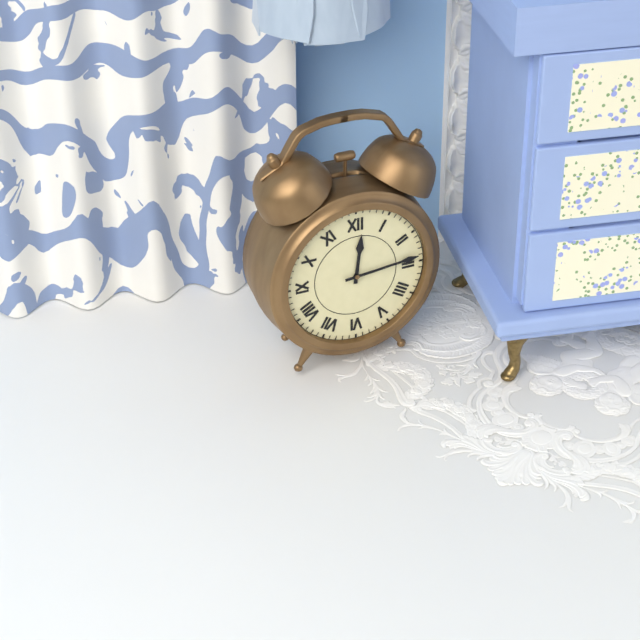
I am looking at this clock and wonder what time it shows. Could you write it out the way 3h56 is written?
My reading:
12h14
